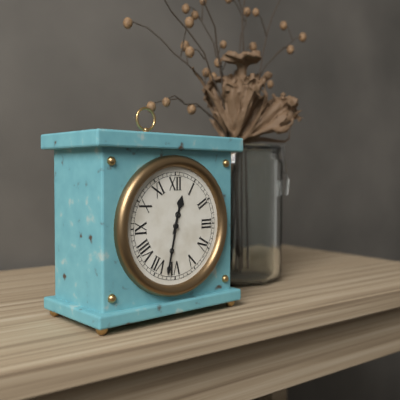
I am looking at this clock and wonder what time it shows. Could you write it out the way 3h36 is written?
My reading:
12h32
